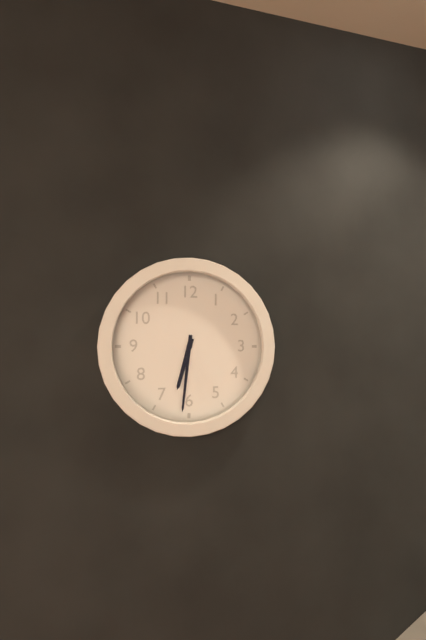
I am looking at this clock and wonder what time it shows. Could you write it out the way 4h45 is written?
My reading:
6h31
